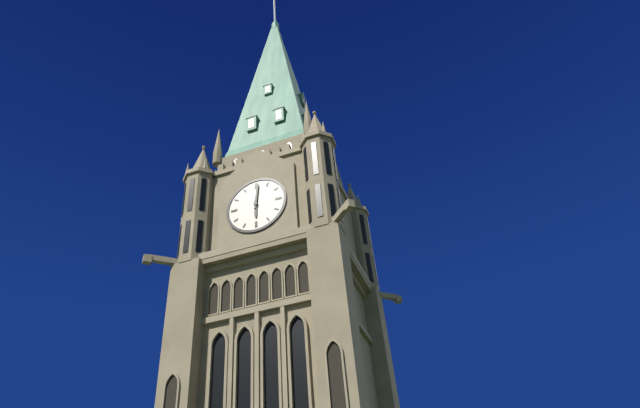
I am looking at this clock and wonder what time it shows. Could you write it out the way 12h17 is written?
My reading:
6h01
